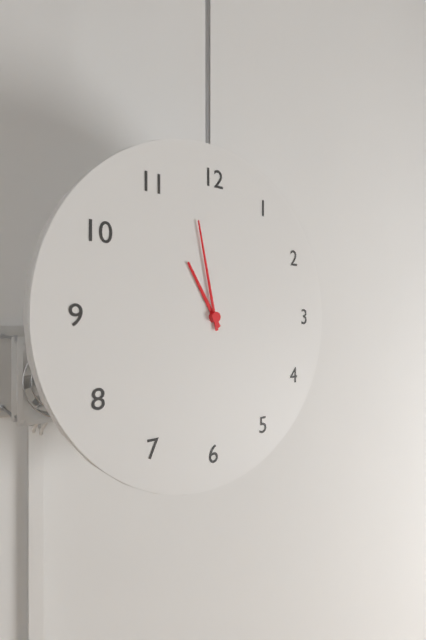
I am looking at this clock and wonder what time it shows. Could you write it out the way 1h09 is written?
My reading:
10h58
